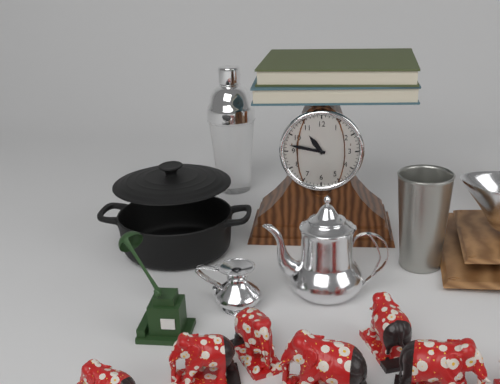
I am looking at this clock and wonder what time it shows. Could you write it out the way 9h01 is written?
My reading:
10h47
